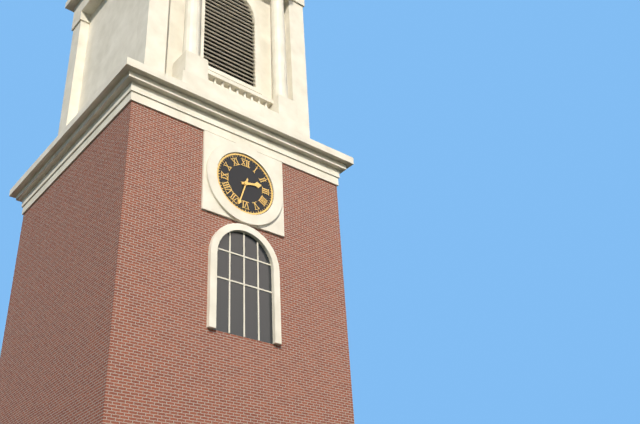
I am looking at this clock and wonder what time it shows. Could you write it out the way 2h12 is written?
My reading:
2h33
